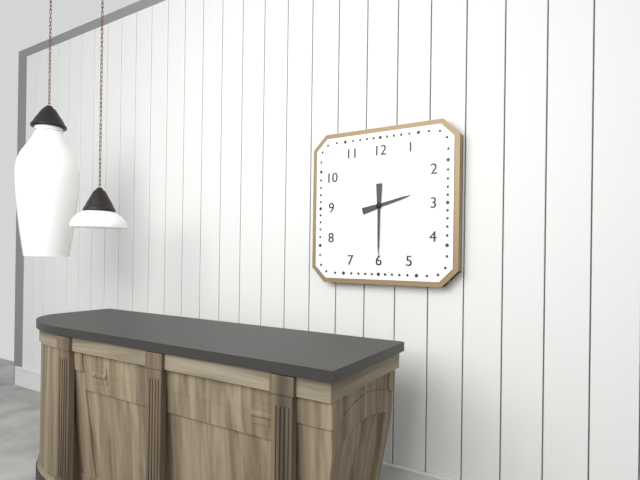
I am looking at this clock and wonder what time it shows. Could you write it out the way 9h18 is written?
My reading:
2h30
